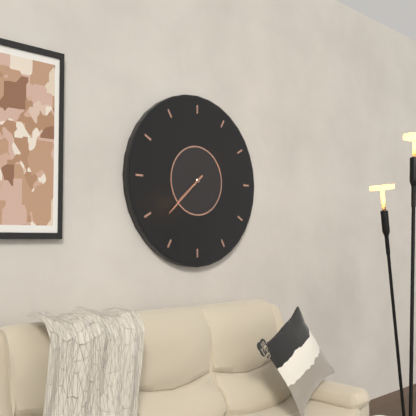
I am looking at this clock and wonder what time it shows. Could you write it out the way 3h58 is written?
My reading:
7h38
